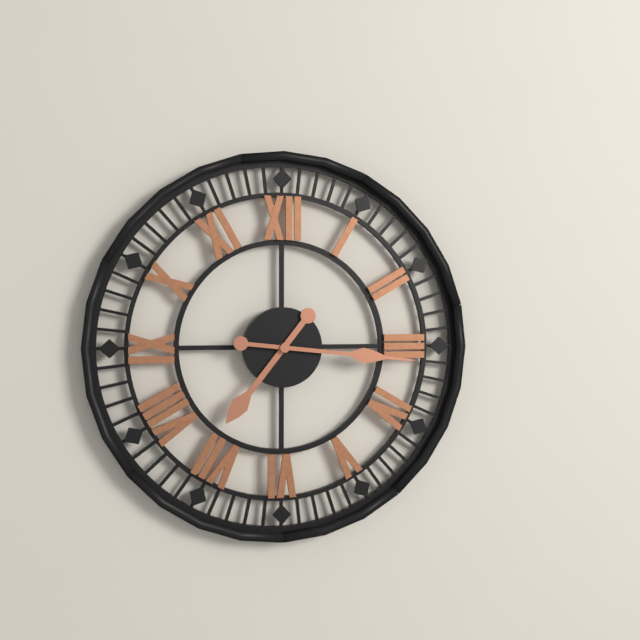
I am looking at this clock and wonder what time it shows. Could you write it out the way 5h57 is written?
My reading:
7h16
